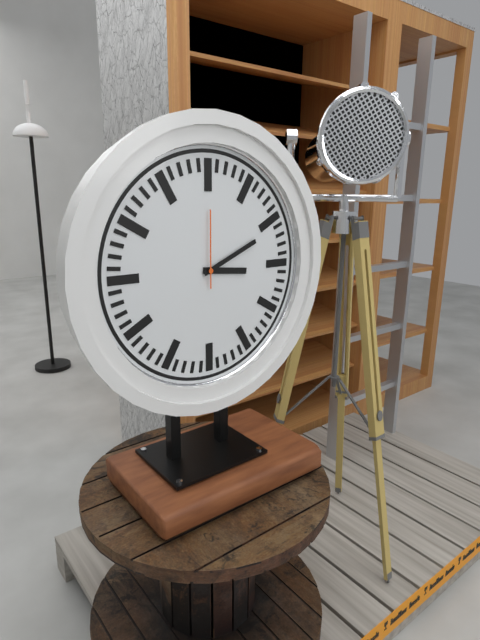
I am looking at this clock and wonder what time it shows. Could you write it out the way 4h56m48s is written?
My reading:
3h11m00s
